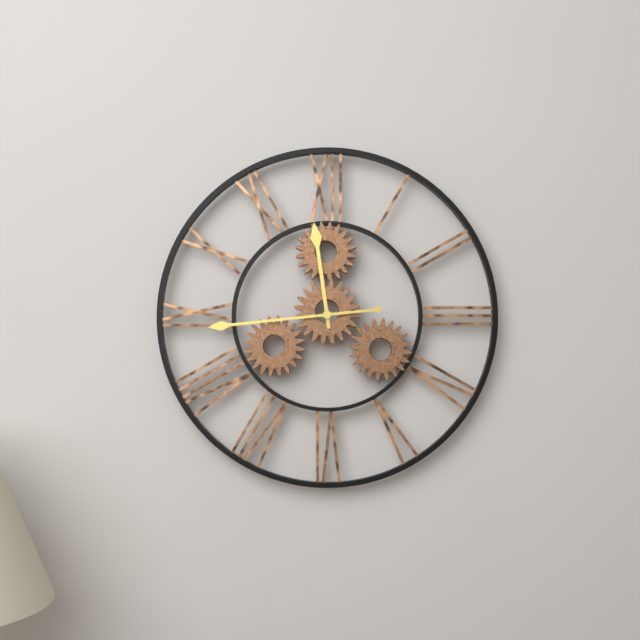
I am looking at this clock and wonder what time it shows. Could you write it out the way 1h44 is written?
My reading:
11h44
